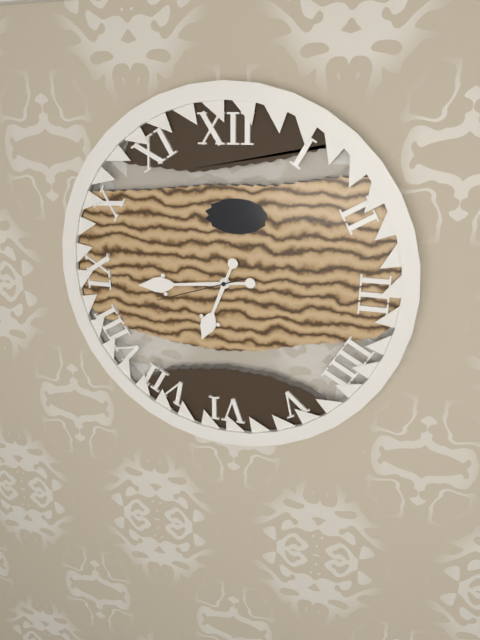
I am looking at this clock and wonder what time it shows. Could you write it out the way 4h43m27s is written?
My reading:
6h44m42s
